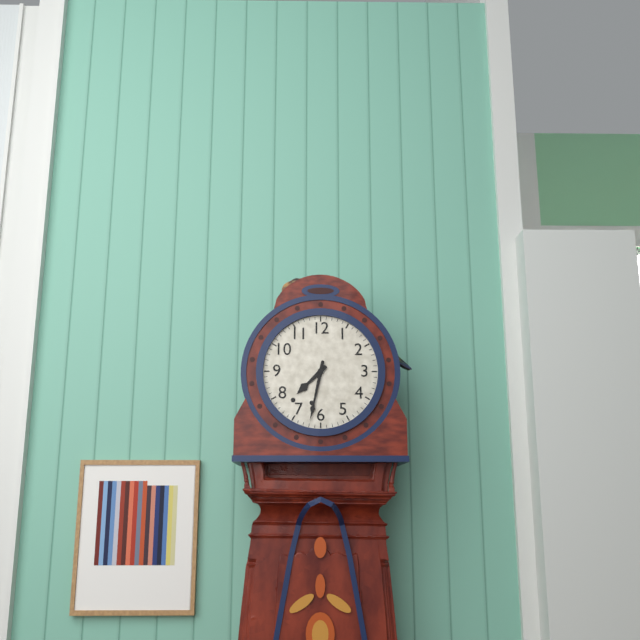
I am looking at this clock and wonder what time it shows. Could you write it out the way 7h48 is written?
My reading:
7h32
